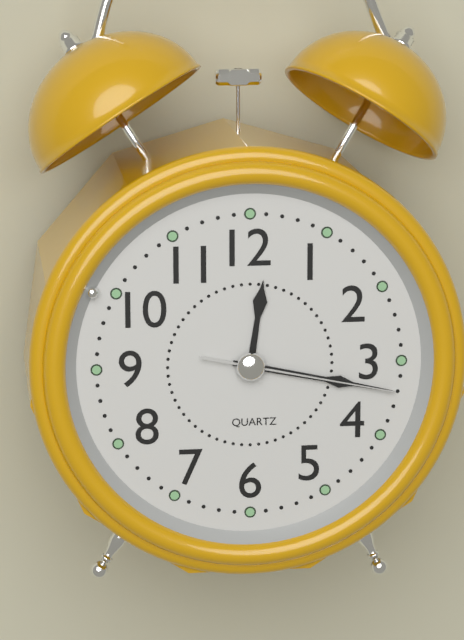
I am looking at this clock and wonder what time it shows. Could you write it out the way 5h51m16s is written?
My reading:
12h17m17s
